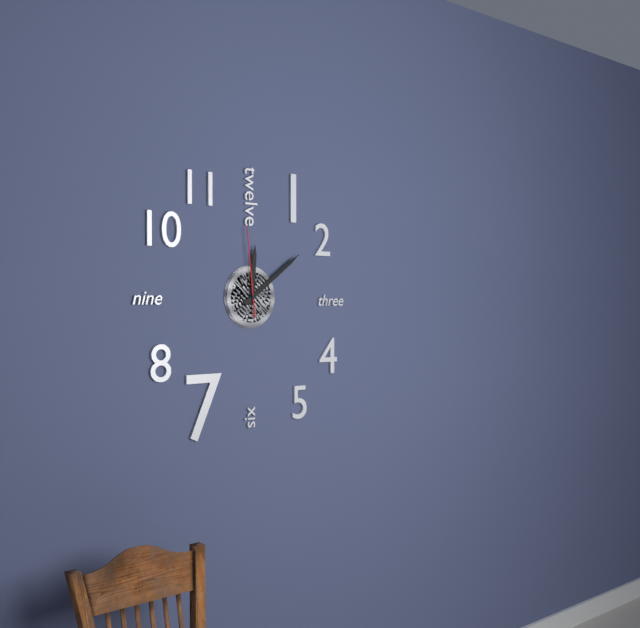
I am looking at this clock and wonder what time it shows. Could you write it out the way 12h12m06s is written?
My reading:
12h09m59s
